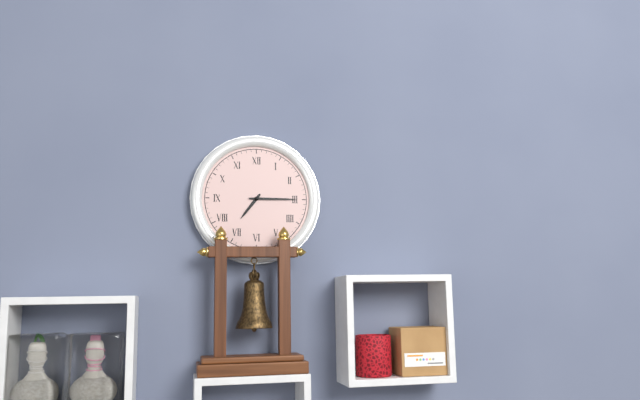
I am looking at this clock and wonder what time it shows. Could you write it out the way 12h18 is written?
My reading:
7h15
